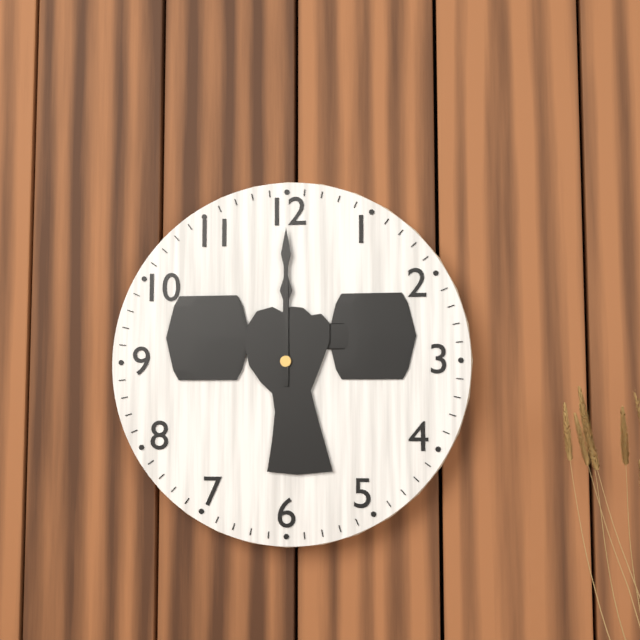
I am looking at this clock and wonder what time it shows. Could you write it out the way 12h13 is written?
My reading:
12h00
